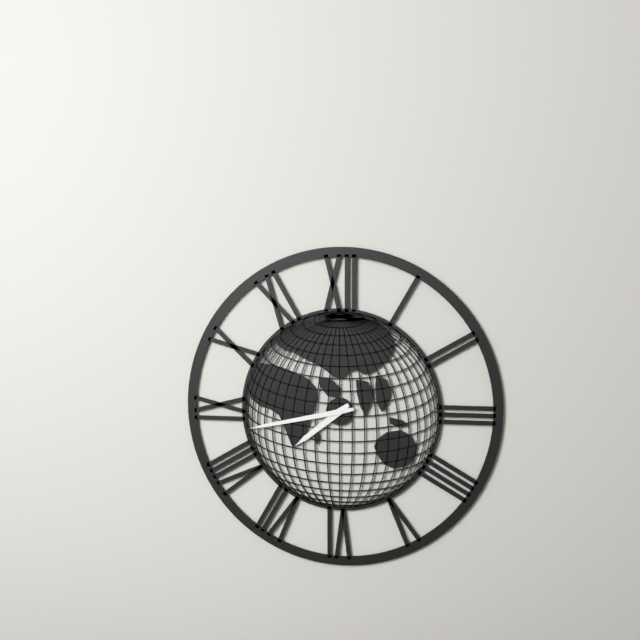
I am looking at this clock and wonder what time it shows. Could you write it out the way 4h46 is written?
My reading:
7h43
